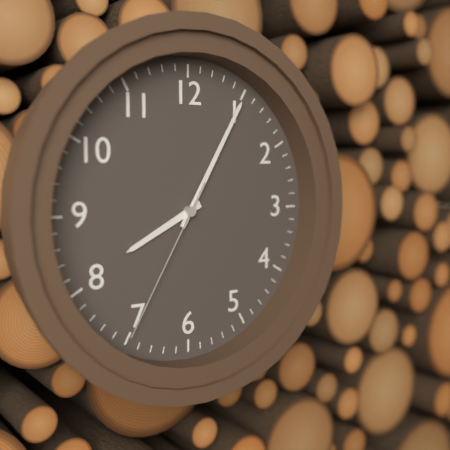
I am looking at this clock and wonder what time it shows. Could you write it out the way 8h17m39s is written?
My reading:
8h05m35s
